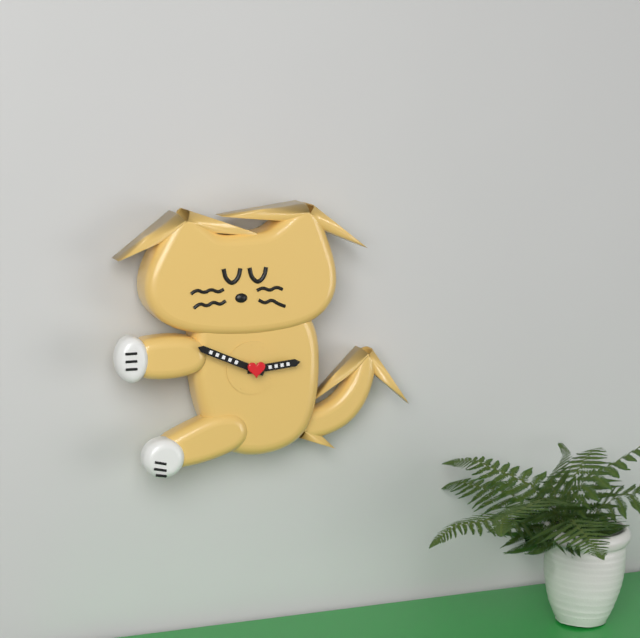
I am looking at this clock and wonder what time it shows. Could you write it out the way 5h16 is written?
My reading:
2h49
